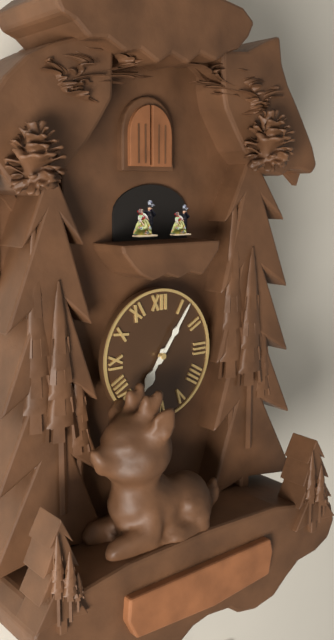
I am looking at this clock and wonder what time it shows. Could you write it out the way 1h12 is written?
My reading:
7h06
